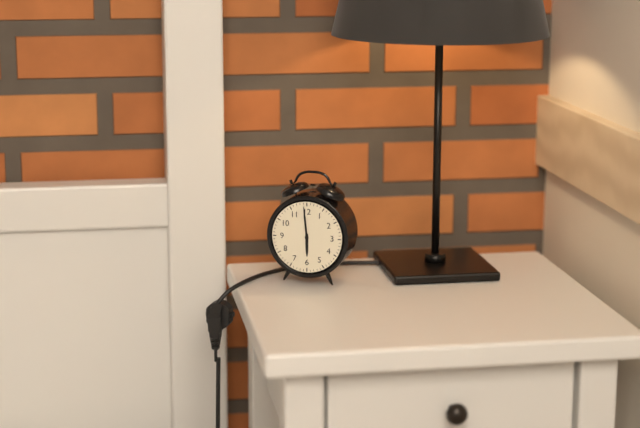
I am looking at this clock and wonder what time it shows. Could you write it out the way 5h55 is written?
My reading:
5h59
